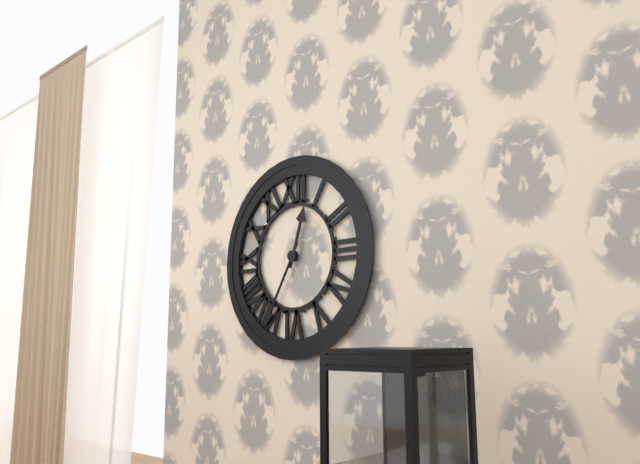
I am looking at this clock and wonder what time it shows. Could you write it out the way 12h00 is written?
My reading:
12h35
